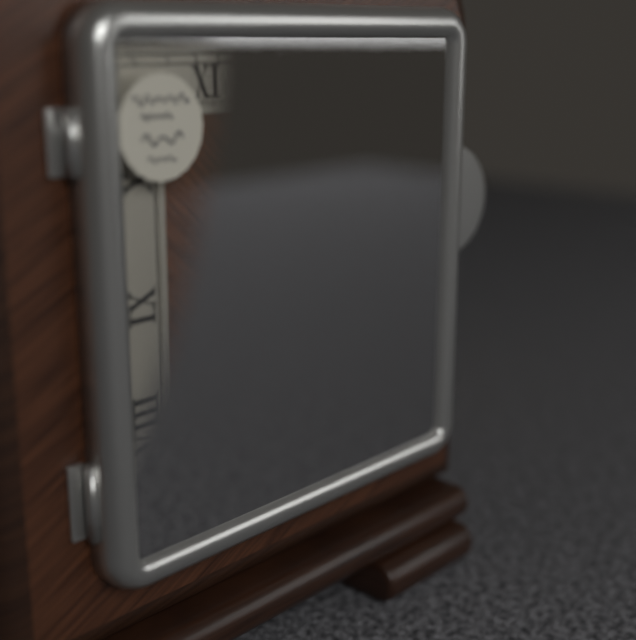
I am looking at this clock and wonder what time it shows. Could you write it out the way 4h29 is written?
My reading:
3h36
